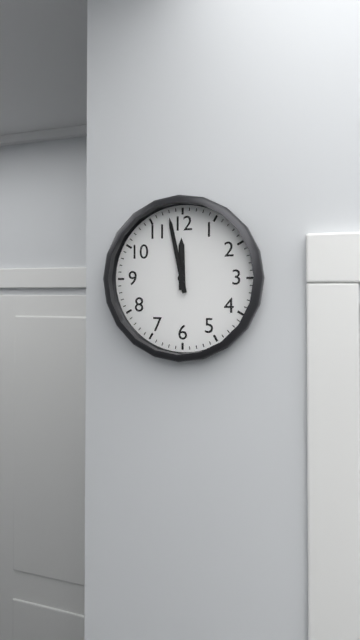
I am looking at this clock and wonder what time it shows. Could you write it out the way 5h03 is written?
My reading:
11h58
